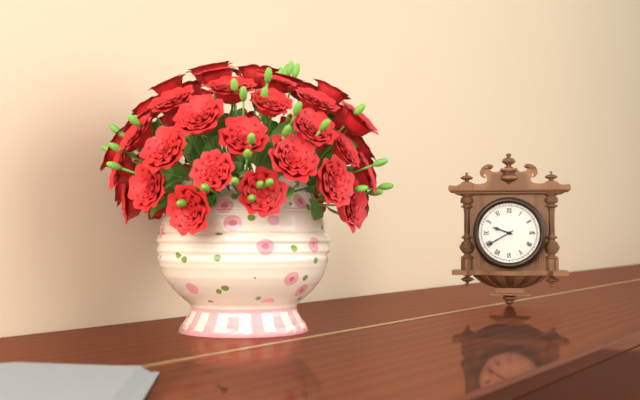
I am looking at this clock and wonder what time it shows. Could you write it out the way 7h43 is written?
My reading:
9h40
